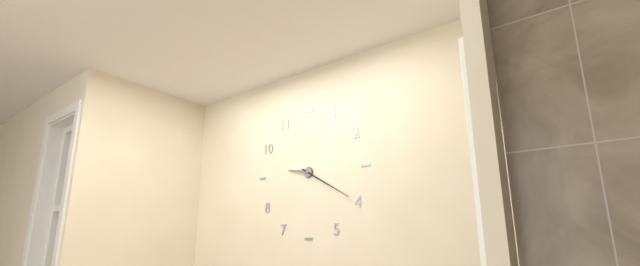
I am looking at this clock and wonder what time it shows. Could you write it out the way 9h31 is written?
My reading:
9h20
